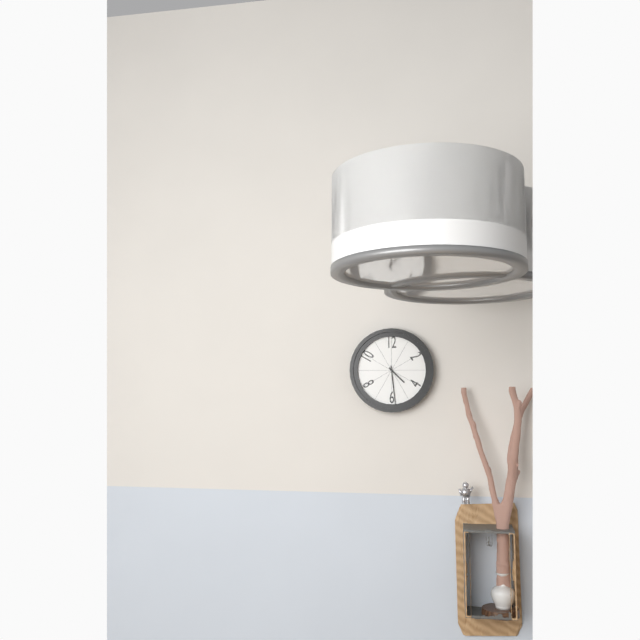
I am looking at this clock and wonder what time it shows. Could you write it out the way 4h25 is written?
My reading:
4h29
